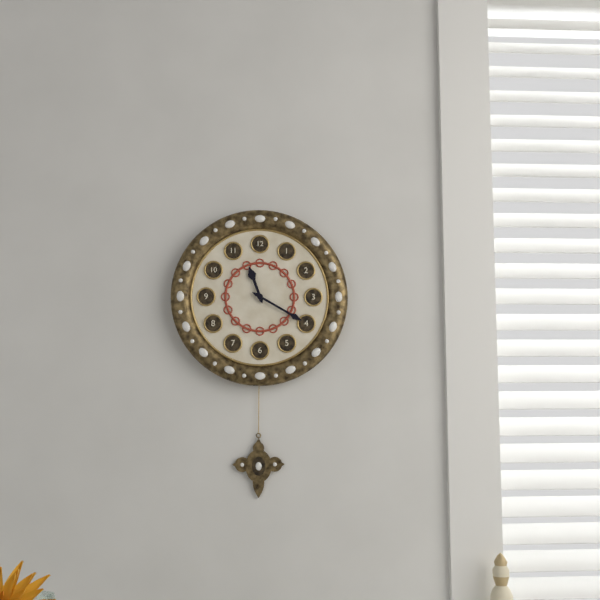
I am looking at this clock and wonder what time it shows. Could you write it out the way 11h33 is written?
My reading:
11h20
